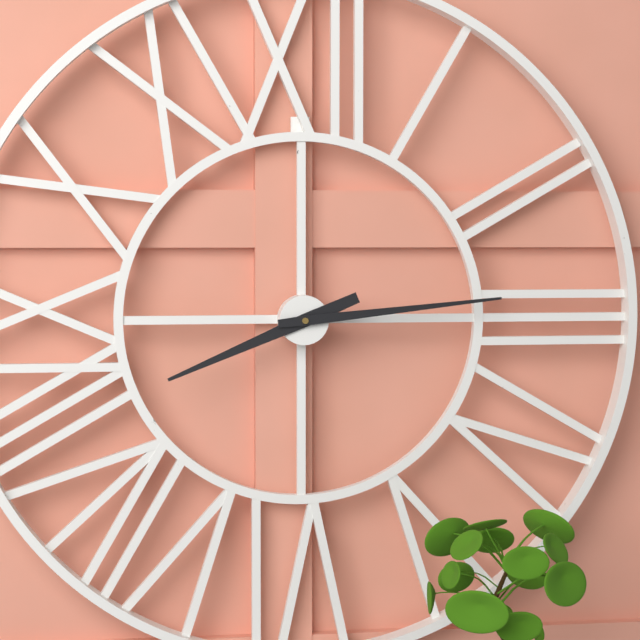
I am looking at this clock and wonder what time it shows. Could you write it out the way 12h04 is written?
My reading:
8h14
